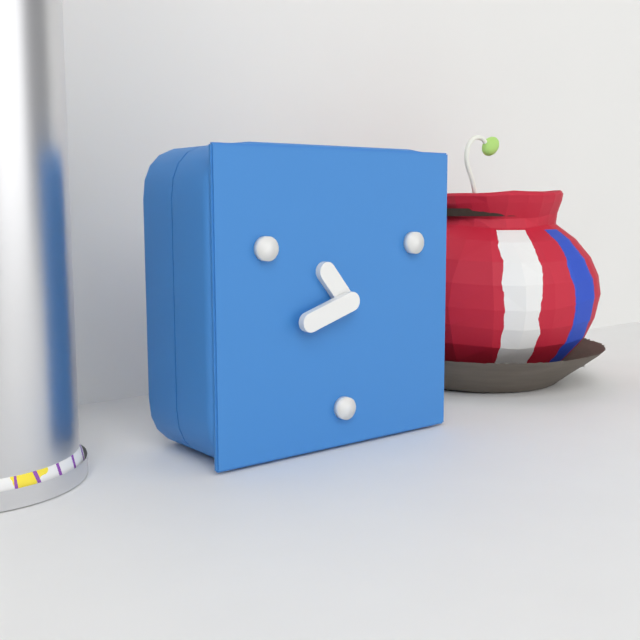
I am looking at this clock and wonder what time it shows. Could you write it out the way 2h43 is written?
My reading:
10h42
